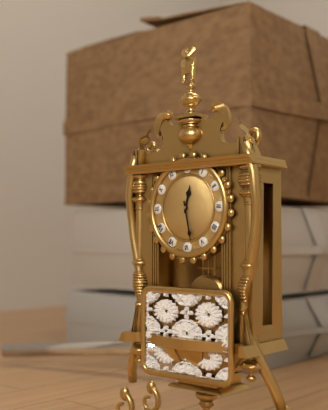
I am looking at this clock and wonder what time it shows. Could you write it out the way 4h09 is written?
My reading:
12h28
